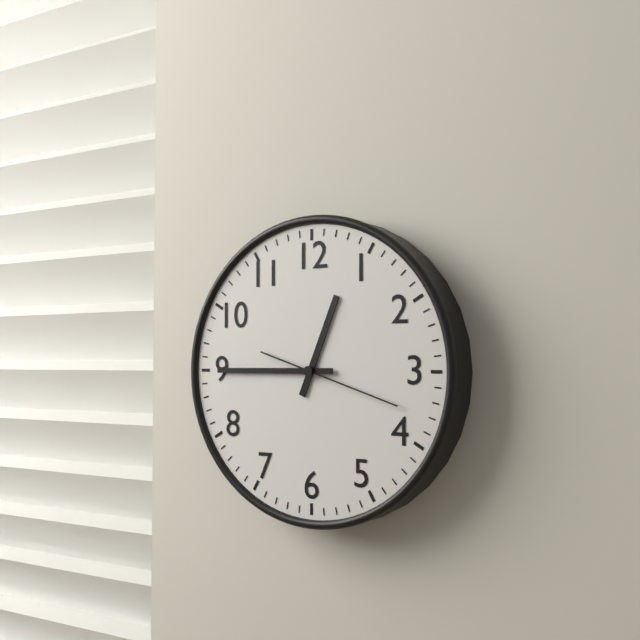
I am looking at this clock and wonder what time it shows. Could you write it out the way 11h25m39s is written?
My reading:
12h45m18s
